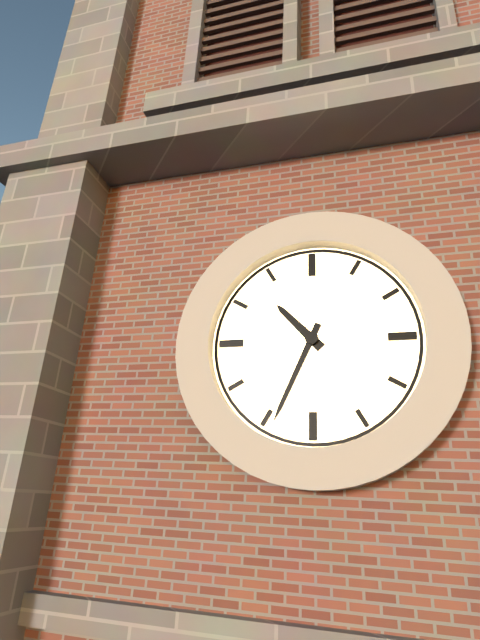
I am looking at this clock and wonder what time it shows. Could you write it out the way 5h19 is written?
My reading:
10h34
